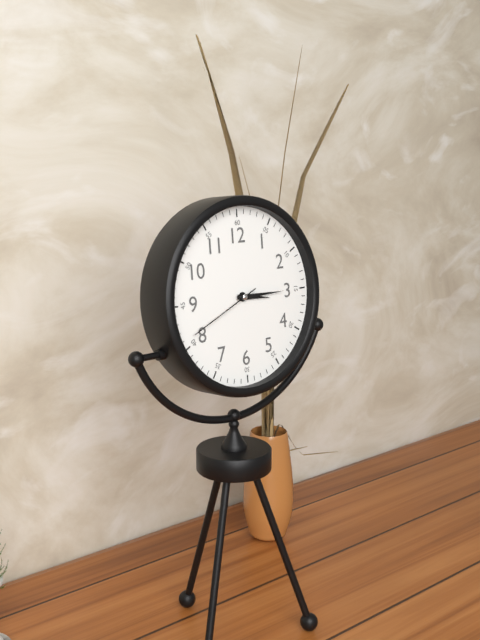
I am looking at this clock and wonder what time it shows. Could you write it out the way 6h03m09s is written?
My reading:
3h15m41s
